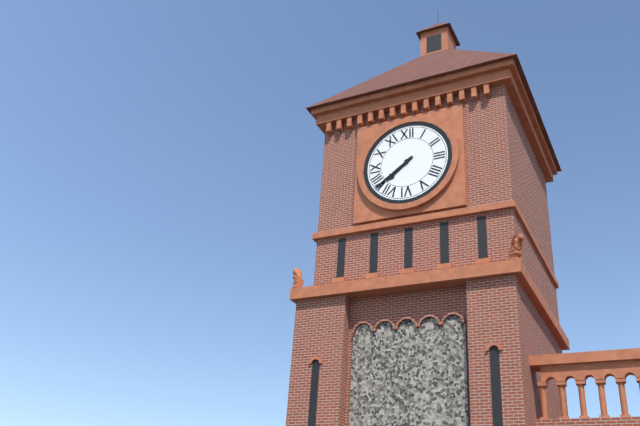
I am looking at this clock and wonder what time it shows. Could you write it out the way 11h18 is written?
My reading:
7h39
